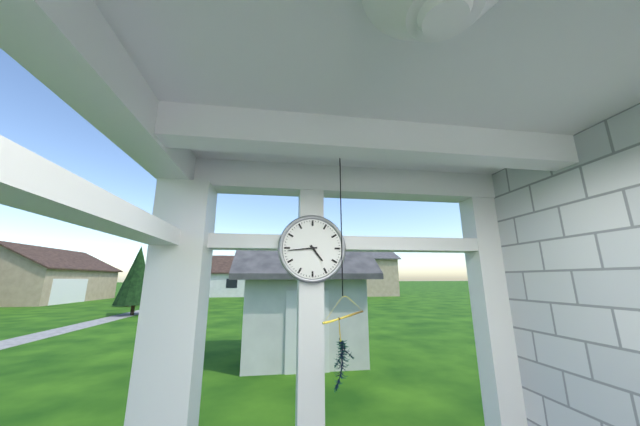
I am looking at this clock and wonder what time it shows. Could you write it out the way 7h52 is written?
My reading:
4h44
